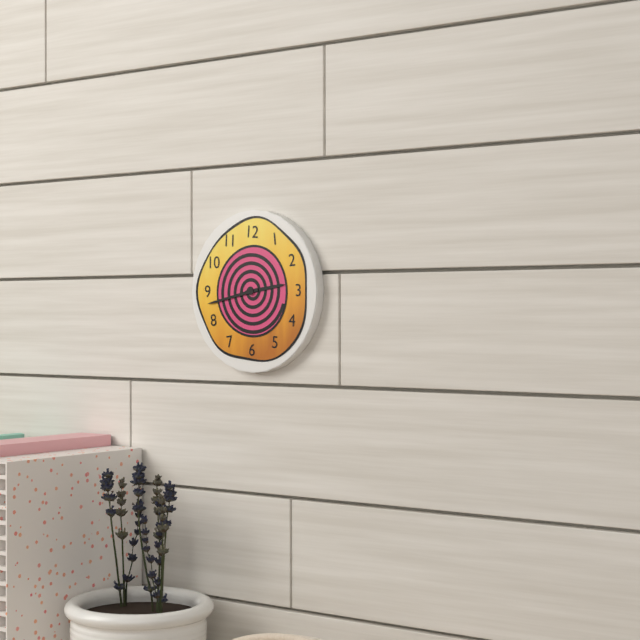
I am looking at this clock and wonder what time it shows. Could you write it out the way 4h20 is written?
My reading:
2h43
